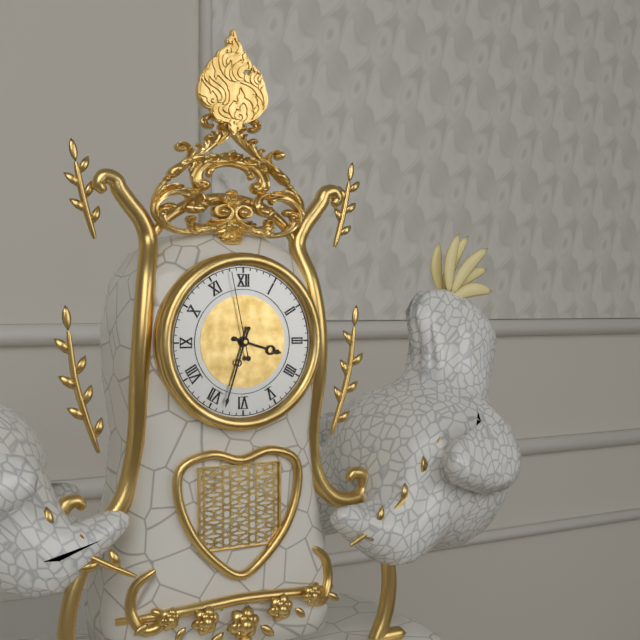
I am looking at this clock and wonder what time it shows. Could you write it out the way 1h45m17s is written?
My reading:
3h33m58s
